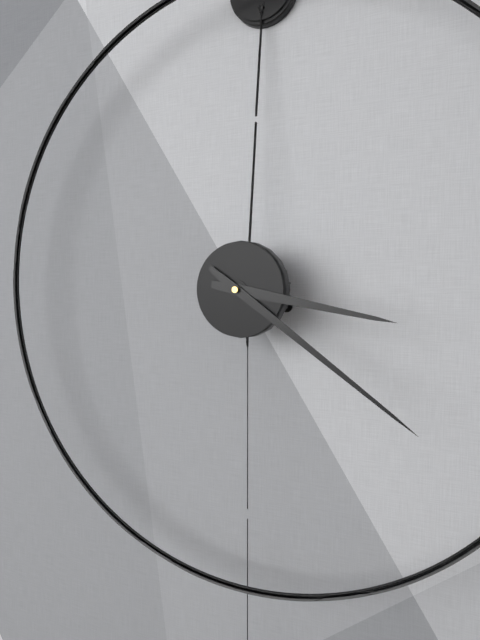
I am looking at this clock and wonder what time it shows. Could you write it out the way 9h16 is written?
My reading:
3h21
